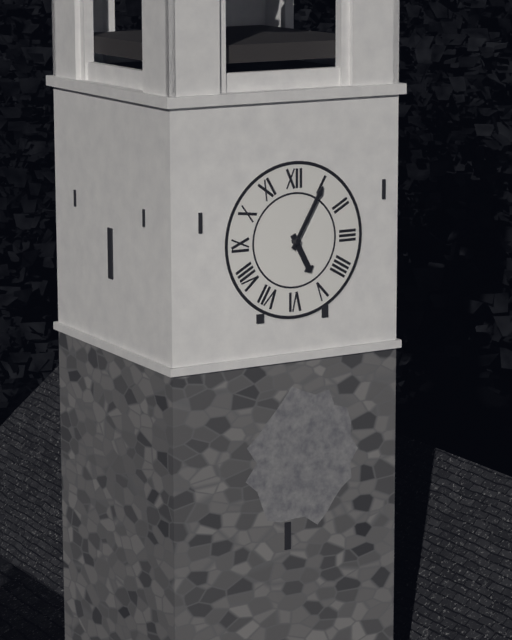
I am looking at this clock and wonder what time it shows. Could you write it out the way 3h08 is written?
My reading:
5h05
